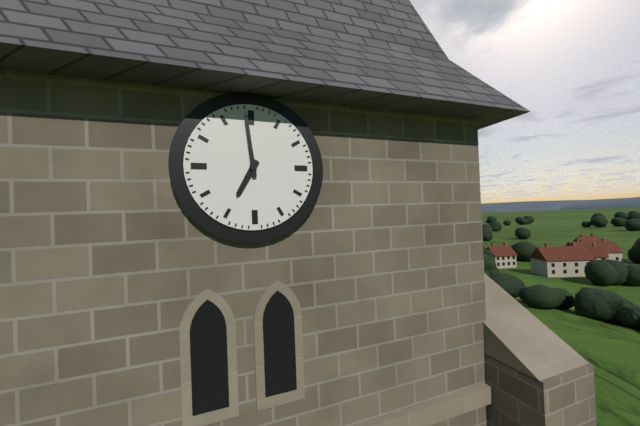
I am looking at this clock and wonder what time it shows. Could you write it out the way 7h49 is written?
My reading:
6h59
